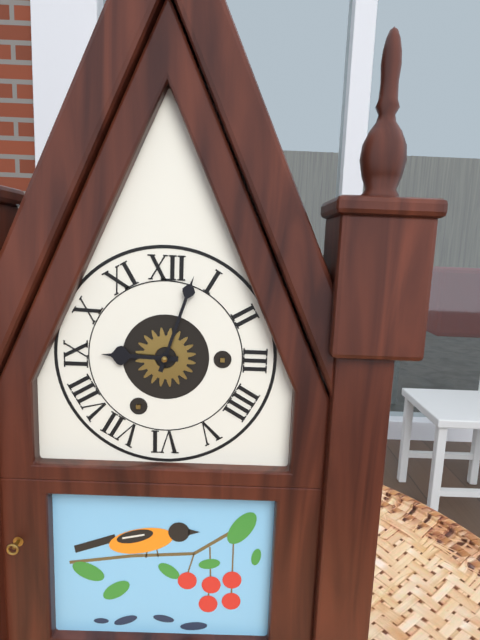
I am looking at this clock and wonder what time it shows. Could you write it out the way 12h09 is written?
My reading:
9h03
